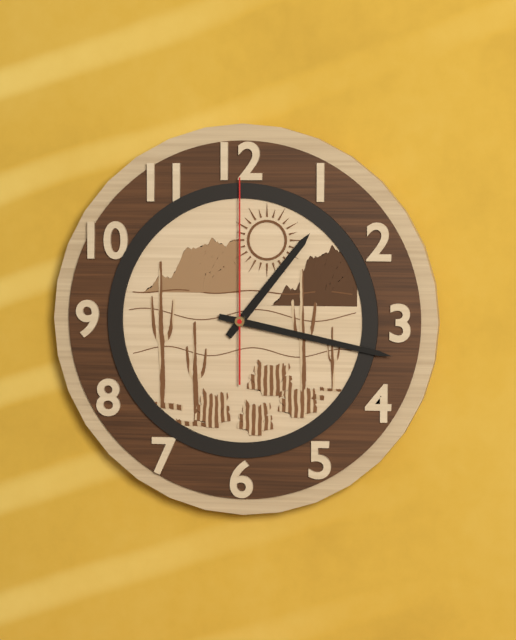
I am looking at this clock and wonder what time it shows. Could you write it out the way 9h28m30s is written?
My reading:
1h17m00s
